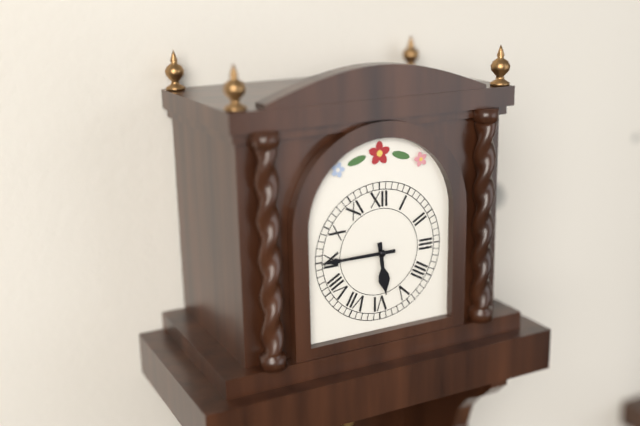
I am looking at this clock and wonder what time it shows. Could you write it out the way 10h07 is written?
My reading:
5h45
